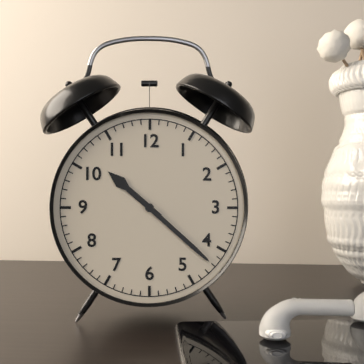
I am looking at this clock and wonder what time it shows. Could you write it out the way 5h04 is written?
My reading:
10h22
